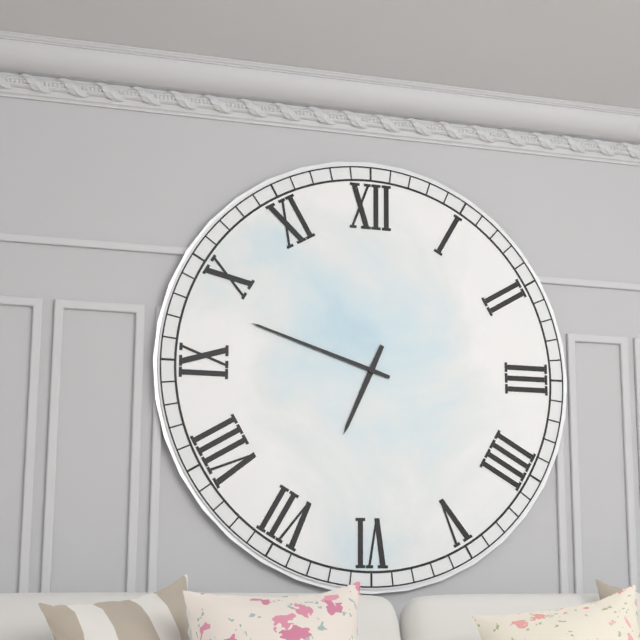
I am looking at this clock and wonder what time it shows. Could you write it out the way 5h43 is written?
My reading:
6h48
